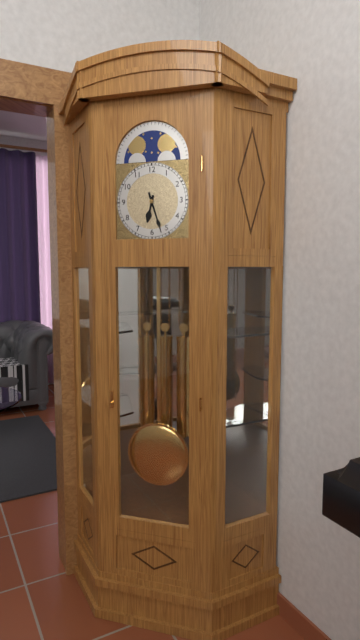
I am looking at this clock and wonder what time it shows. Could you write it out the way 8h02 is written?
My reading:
6h27
